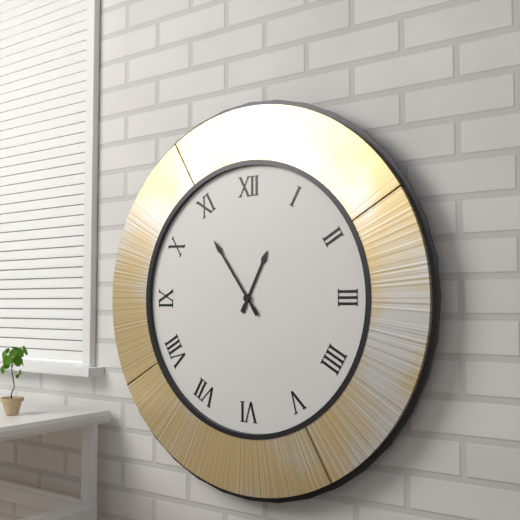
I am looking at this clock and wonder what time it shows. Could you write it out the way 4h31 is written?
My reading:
12h54
